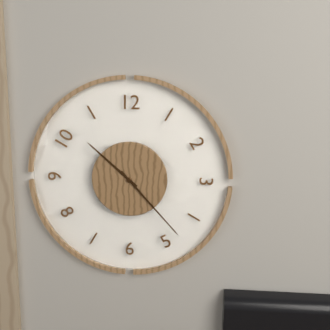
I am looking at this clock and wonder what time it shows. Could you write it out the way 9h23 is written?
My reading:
10h23
